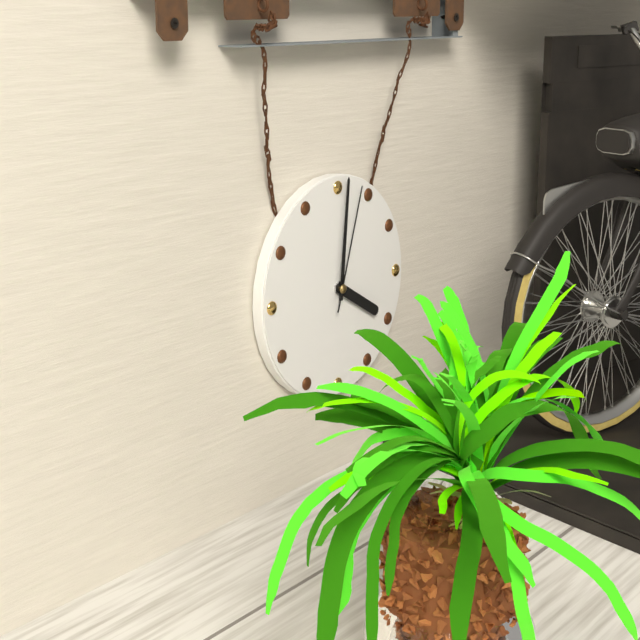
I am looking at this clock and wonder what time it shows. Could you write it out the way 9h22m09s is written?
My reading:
4h01m03s
